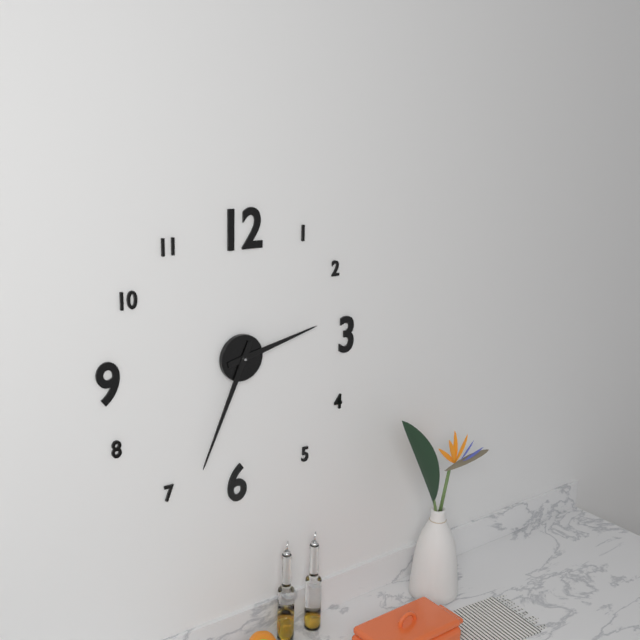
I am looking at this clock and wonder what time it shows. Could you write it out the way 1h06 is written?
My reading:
2h34
